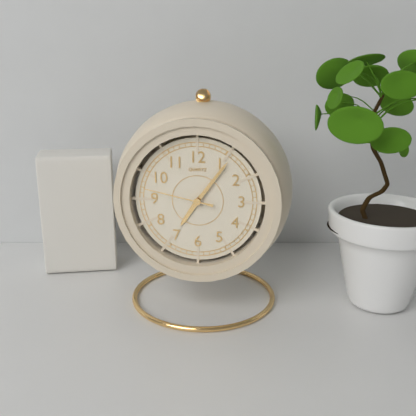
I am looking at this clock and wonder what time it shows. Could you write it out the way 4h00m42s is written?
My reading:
7h06m47s
